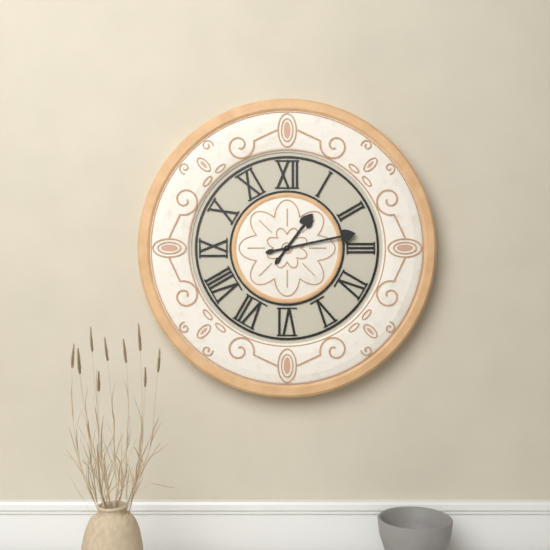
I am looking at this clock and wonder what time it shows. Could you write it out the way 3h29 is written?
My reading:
1h13
